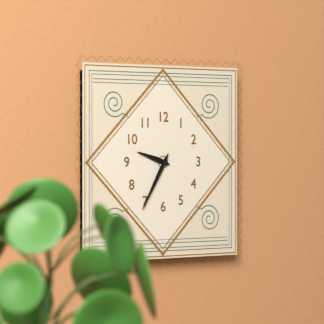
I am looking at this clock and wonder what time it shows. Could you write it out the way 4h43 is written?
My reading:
9h35
